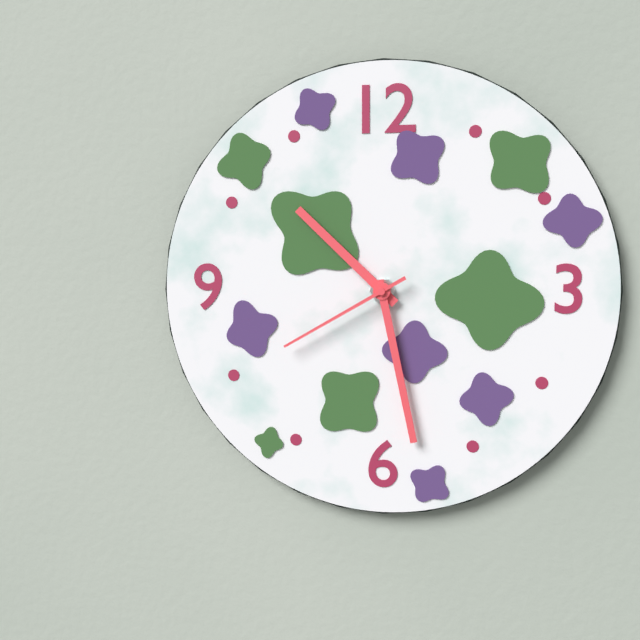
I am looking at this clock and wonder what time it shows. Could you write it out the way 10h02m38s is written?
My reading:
10h28m40s
